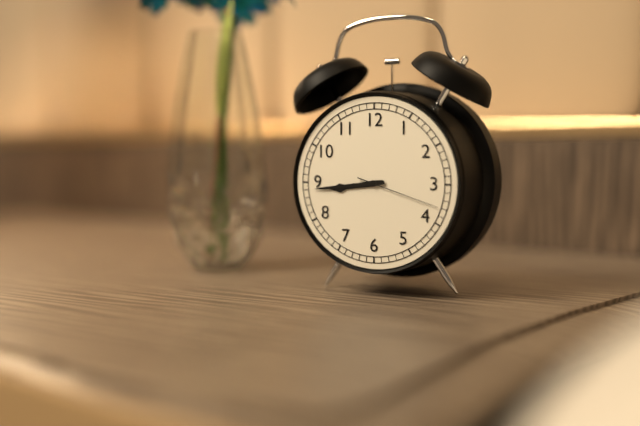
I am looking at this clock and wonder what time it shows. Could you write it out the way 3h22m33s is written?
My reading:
8h44m18s
